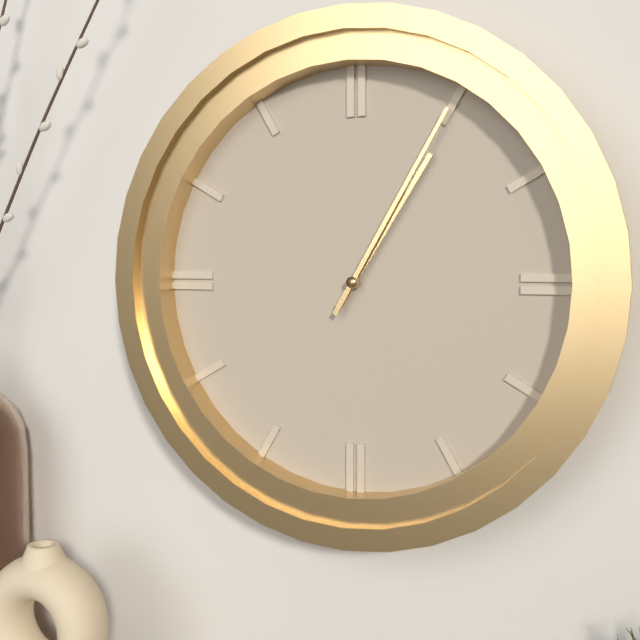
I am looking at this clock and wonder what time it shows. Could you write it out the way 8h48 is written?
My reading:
1h05
